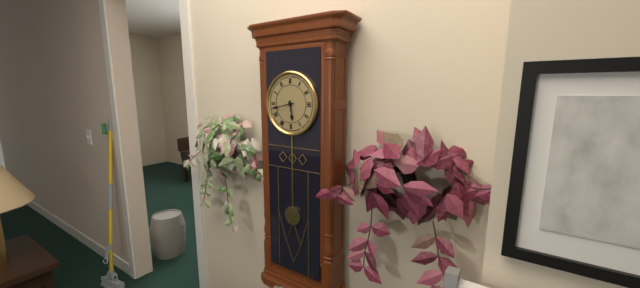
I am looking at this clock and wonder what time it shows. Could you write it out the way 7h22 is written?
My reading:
5h43
